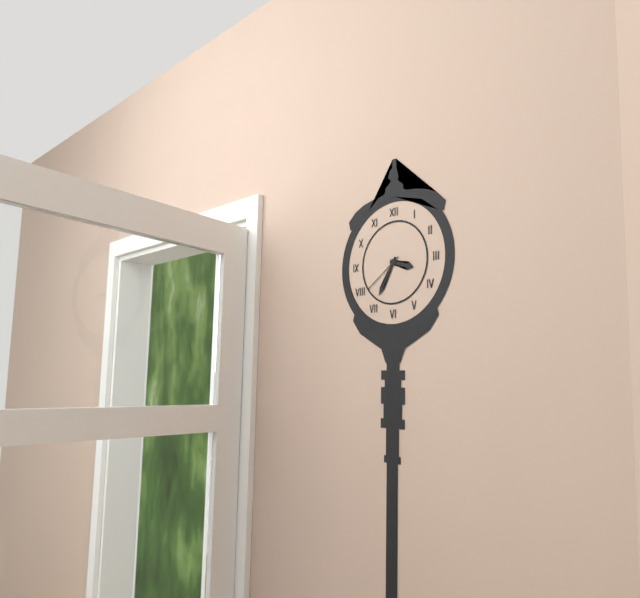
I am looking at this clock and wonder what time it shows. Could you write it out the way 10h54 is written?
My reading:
3h35
